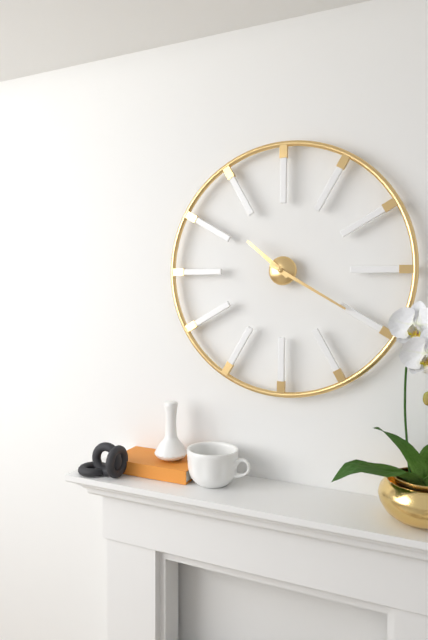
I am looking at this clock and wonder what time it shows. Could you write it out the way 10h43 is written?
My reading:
10h20
